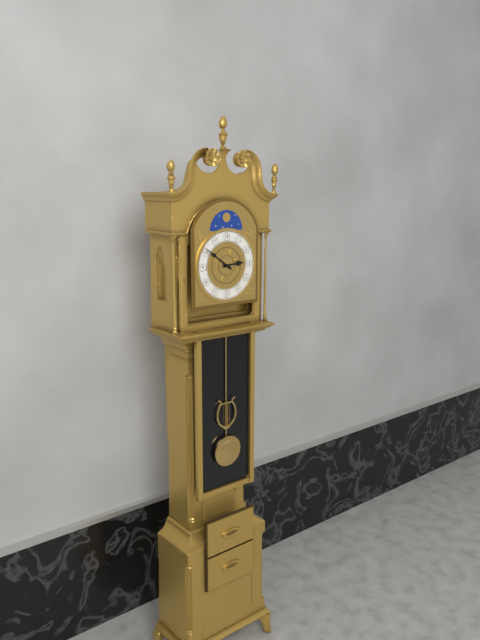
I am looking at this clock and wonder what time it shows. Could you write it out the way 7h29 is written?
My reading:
2h51
